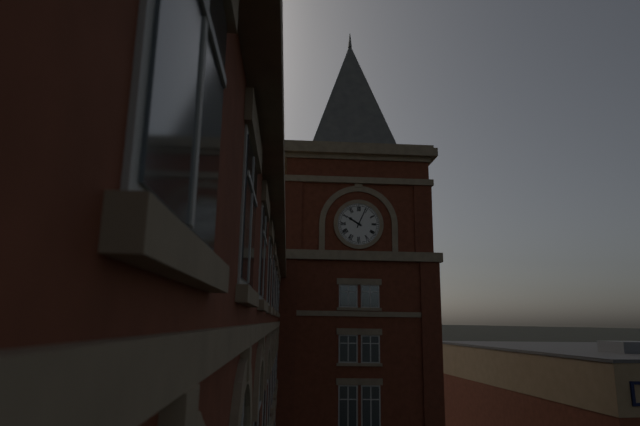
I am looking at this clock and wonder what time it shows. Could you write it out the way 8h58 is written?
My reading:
10h04
